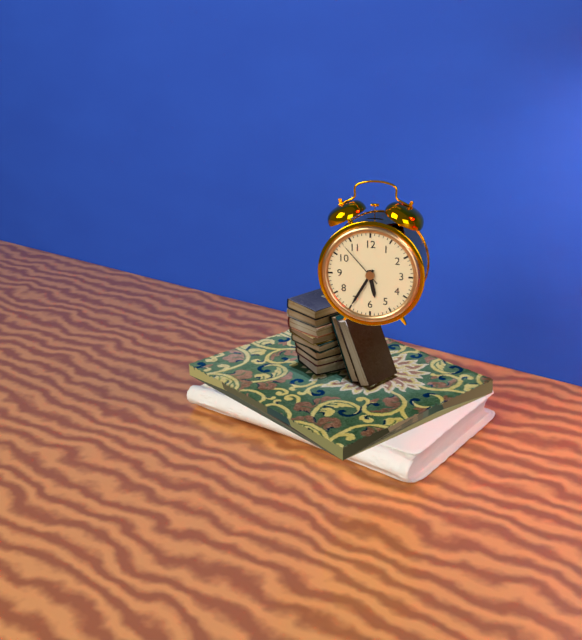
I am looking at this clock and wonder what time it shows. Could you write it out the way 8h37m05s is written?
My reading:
5h35m53s
